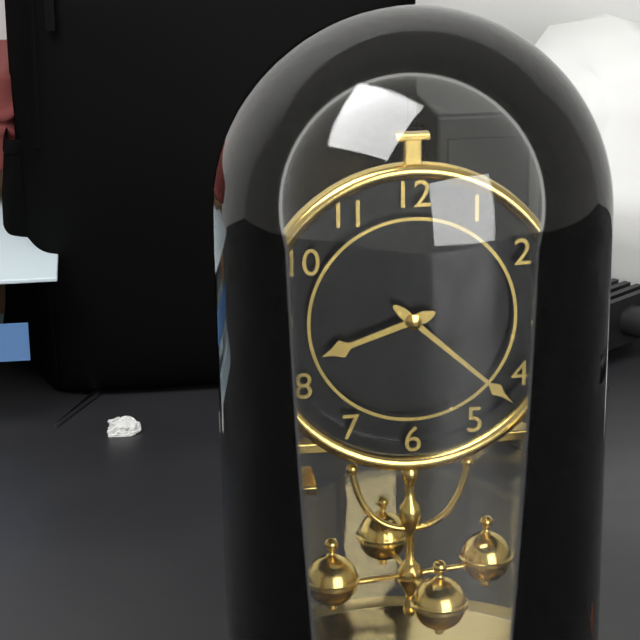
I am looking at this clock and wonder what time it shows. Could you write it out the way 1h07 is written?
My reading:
8h22
